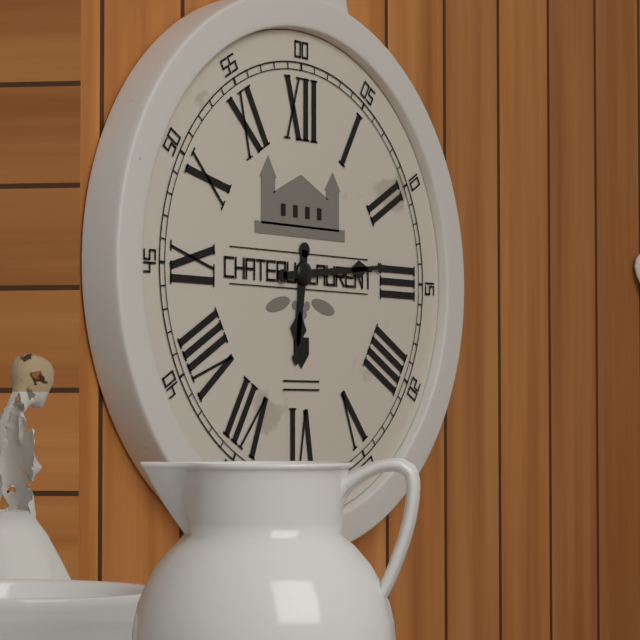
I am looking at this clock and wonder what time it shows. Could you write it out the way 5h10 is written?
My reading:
6h14
